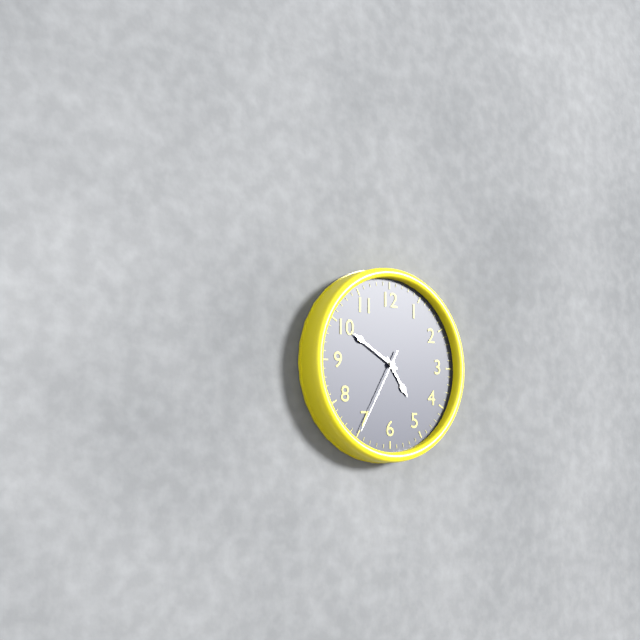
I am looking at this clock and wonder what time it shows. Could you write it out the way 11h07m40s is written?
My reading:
4h50m35s
